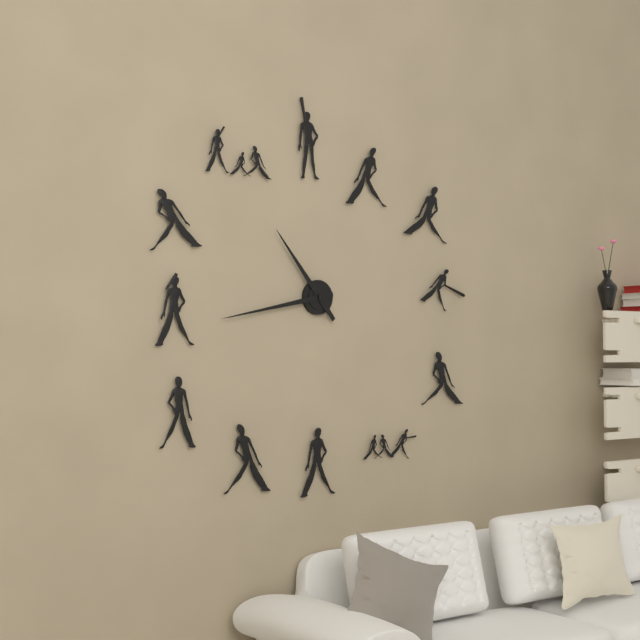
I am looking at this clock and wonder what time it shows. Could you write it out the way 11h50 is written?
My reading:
10h43
